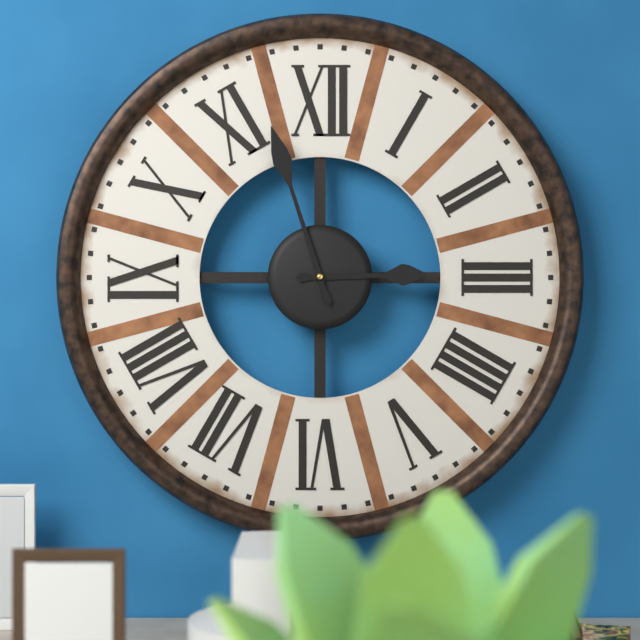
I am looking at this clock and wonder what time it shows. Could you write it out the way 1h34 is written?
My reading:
2h57
